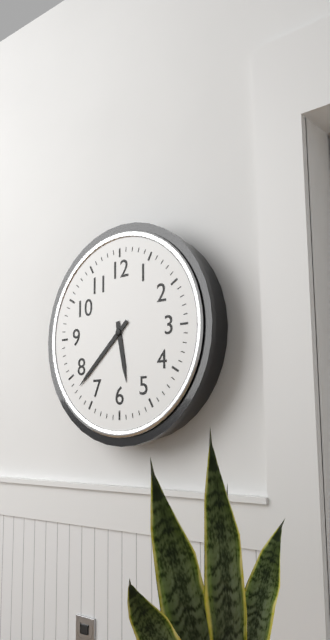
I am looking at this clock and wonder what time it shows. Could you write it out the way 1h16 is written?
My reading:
5h38
